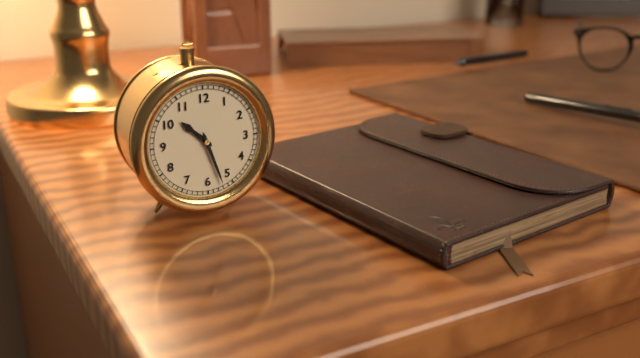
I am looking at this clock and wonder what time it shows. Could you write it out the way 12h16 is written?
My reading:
10h27
